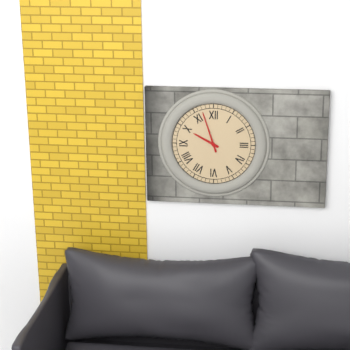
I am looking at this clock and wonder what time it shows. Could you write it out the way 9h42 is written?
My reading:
9h57
